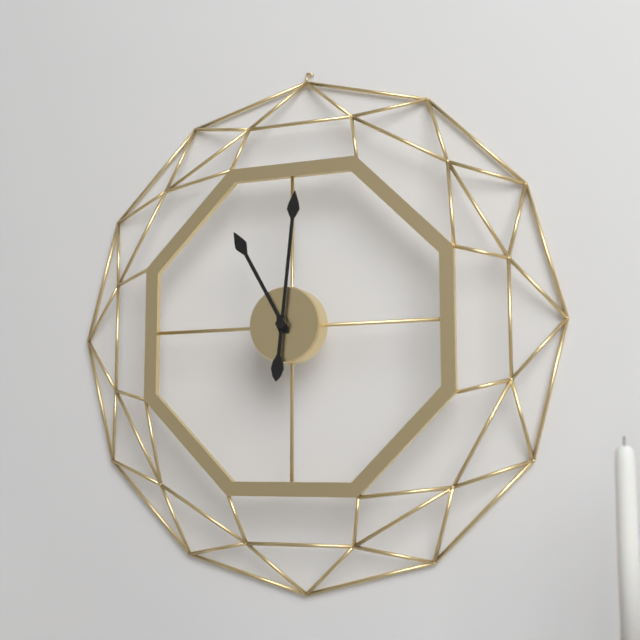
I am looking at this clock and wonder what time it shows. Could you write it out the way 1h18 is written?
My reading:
11h01
